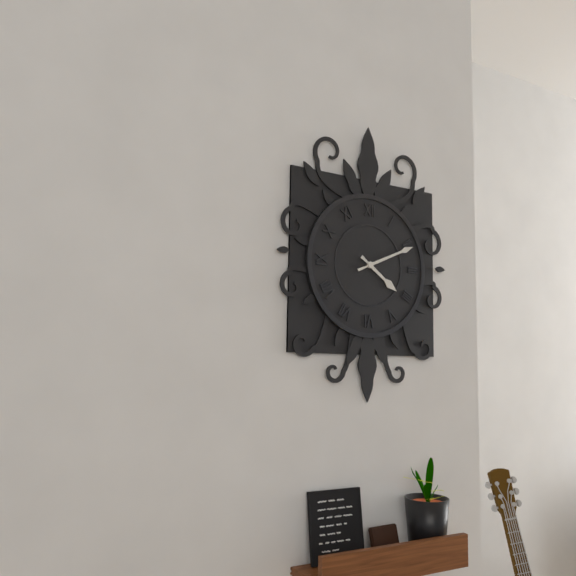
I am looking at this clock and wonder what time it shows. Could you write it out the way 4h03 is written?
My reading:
4h11
